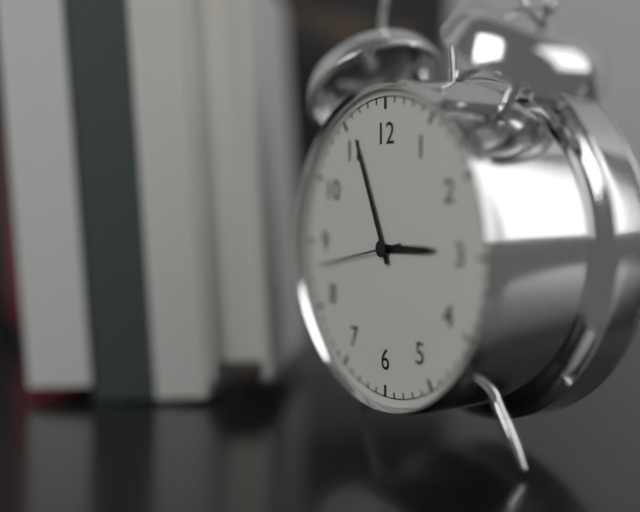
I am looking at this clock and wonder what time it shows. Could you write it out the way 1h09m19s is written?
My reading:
2h56m43s
